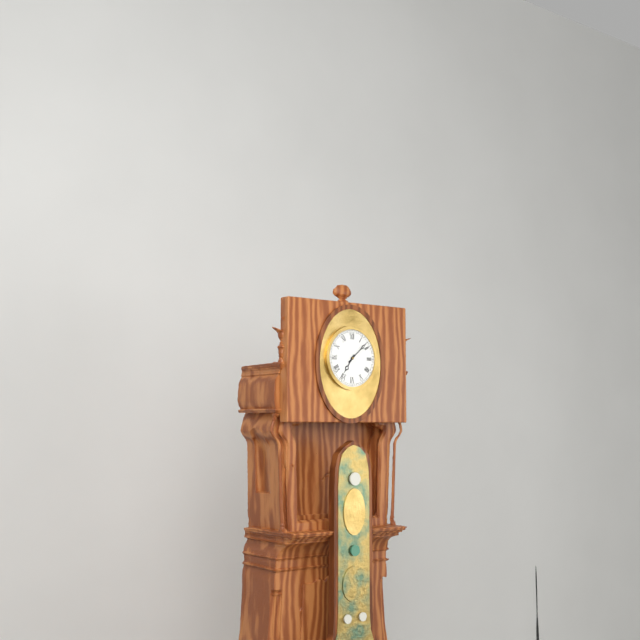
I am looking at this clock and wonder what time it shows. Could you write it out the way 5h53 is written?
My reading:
7h08
